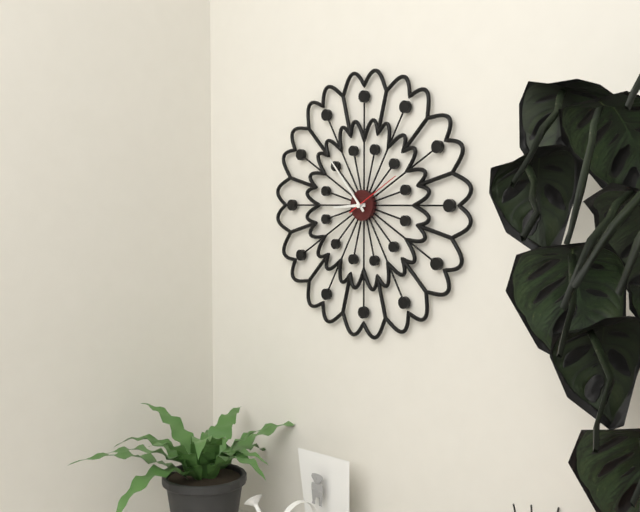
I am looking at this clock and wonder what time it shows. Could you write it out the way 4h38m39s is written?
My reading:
8h53m10s
